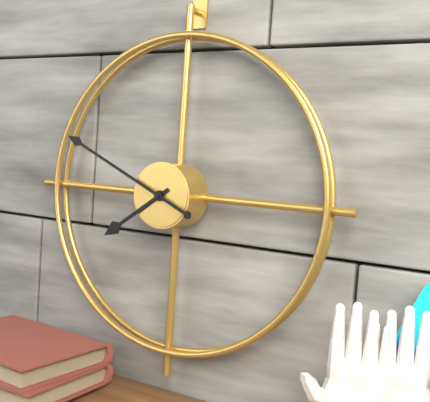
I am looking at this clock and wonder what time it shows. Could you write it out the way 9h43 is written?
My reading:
7h49
